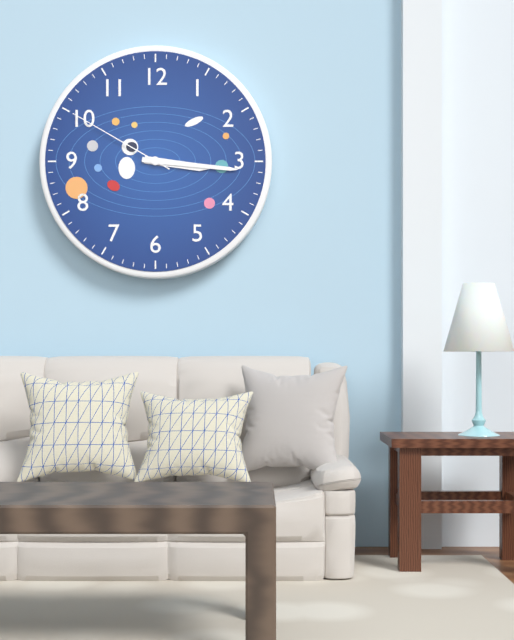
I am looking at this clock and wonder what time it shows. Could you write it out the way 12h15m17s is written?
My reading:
3h16m50s
